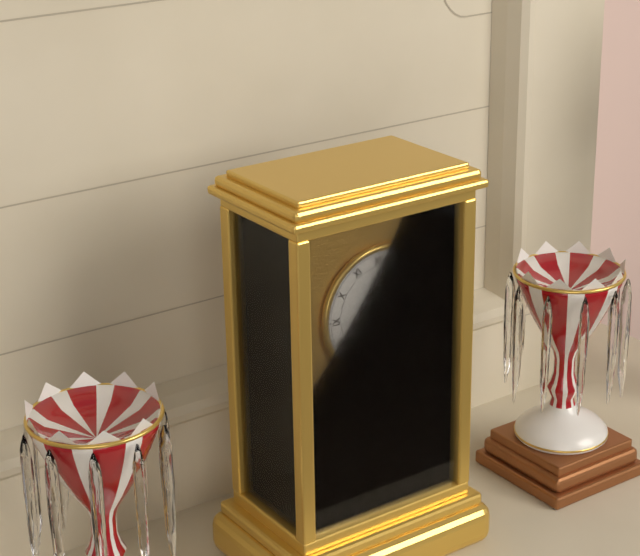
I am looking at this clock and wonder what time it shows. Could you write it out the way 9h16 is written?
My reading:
5h23
